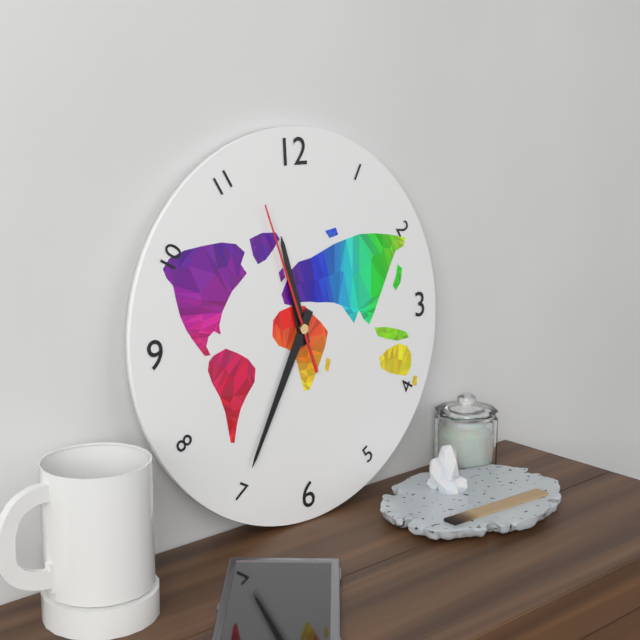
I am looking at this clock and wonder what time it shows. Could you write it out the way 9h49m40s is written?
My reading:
11h35m57s
